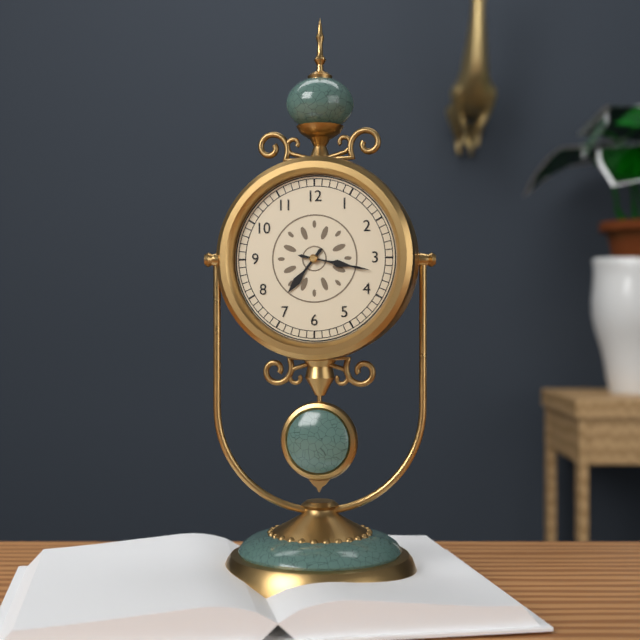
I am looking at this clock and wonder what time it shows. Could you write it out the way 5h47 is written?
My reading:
7h17
